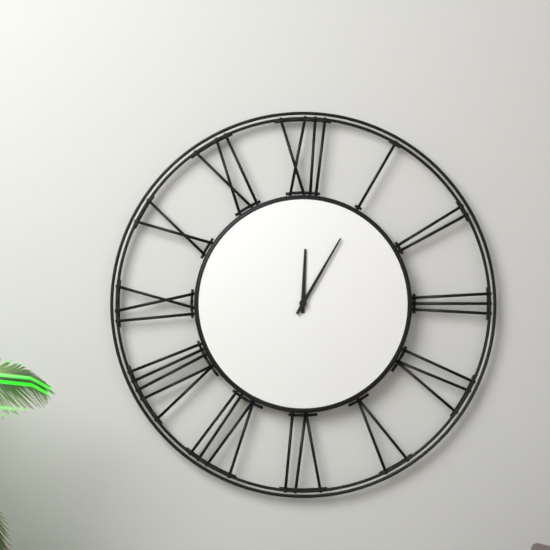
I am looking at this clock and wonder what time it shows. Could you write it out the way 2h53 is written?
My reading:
12h05
